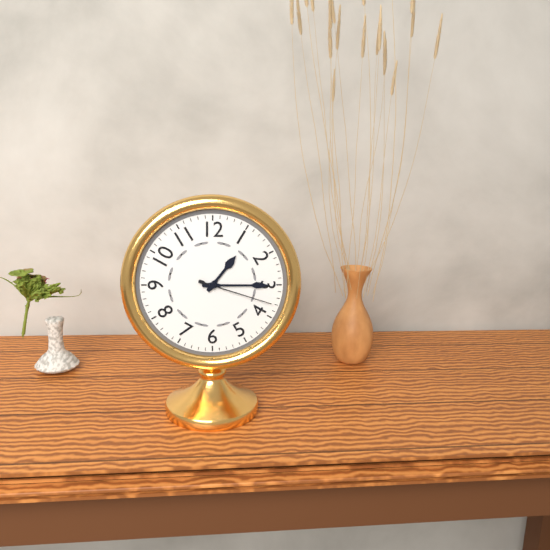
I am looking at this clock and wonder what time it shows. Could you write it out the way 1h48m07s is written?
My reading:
1h15m18s
